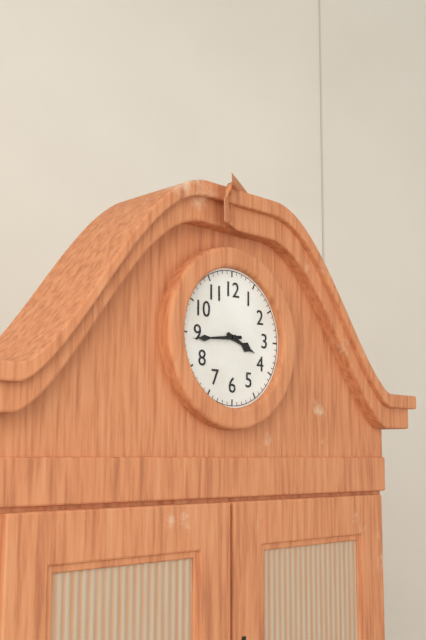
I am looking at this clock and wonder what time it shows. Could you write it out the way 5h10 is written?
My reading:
3h44
